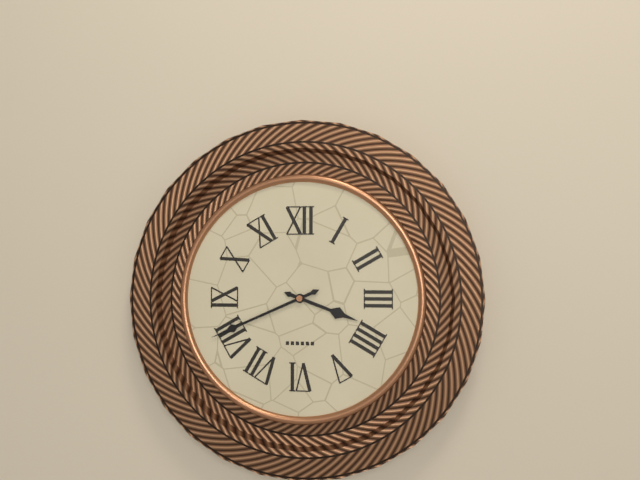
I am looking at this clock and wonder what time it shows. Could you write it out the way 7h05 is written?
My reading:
3h41
